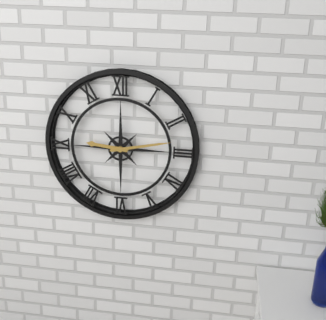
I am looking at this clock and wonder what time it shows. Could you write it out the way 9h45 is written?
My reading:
9h13
